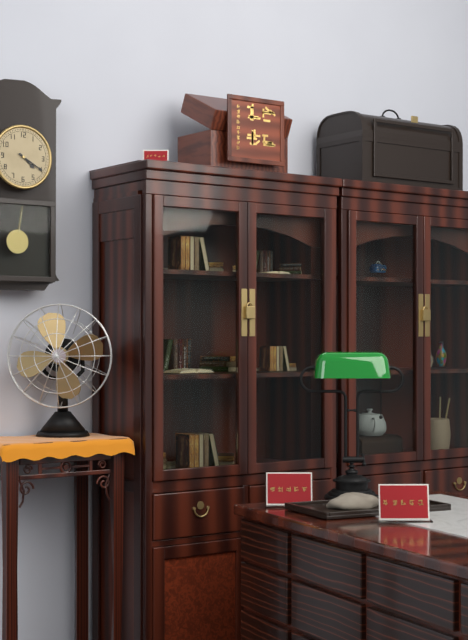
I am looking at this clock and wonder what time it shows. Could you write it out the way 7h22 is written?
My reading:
4h20
